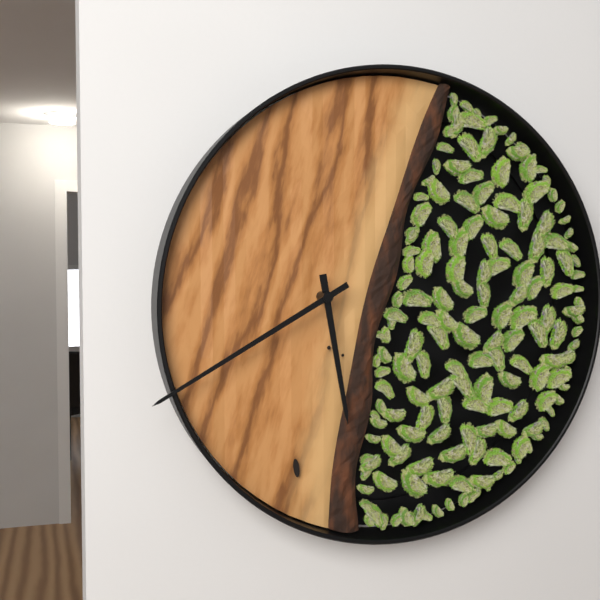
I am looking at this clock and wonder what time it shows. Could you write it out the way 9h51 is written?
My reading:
5h40
